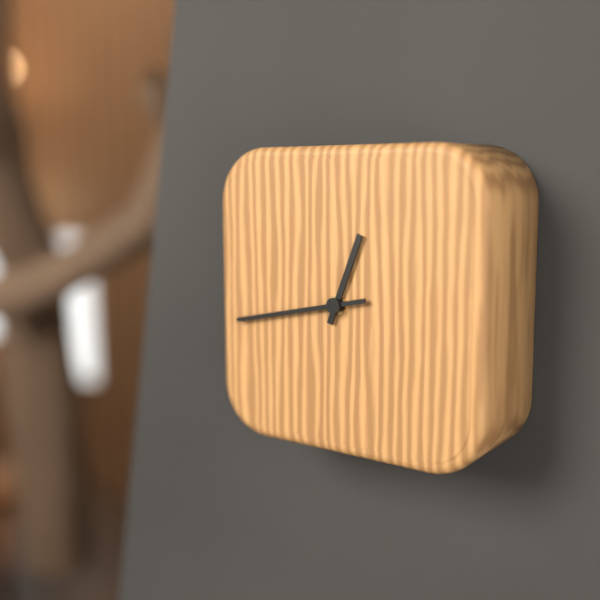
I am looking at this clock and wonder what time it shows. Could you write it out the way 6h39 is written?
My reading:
12h43
